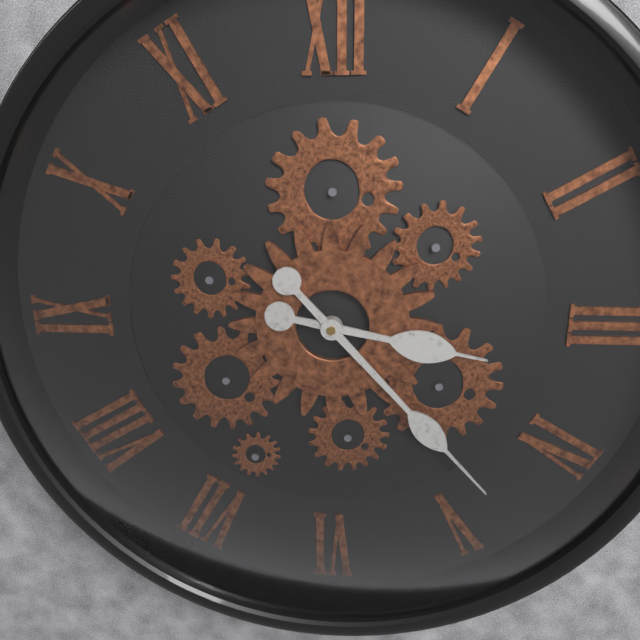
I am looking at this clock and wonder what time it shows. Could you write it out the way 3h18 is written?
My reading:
3h23
